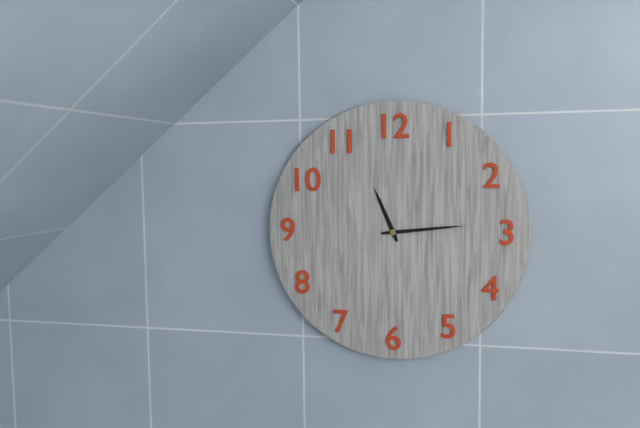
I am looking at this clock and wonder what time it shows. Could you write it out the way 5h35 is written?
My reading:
11h14
